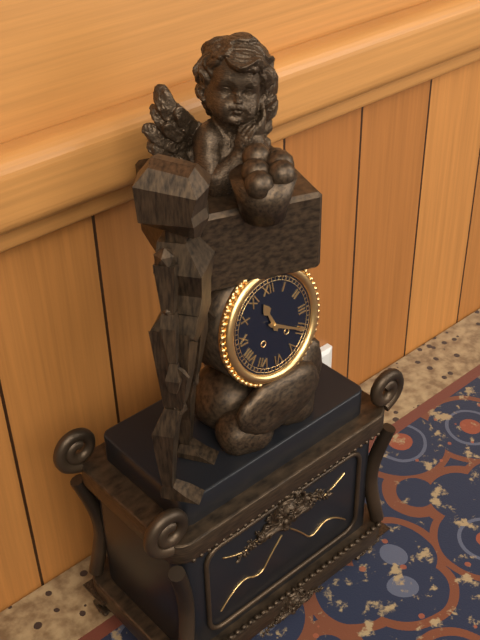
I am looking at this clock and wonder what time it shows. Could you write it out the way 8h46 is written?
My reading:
11h20
